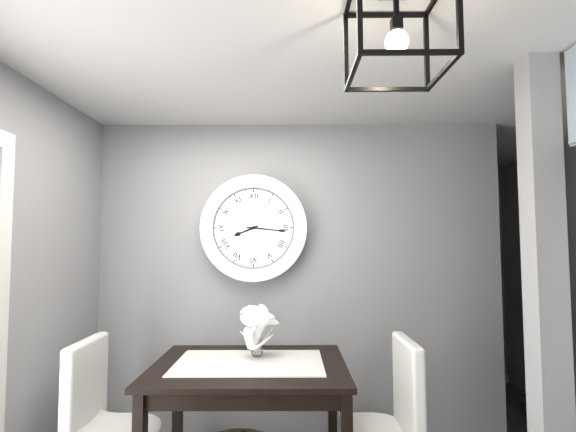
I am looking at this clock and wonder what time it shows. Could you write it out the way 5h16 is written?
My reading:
8h16
